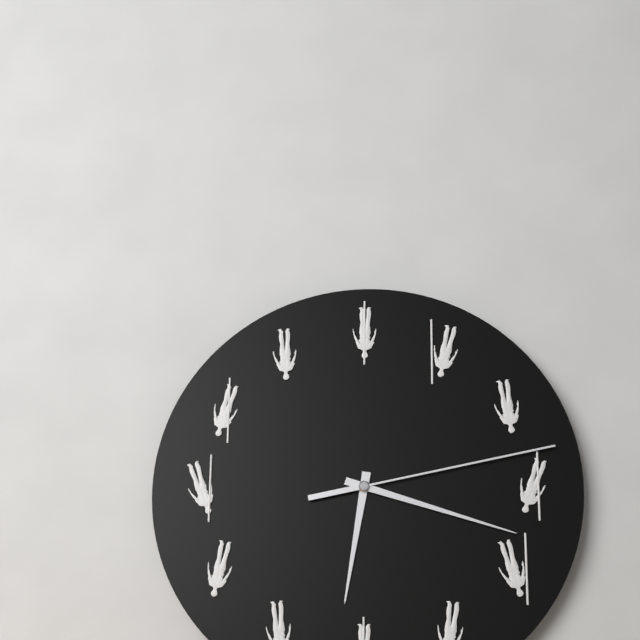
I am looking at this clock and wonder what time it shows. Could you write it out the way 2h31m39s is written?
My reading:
6h18m13s
